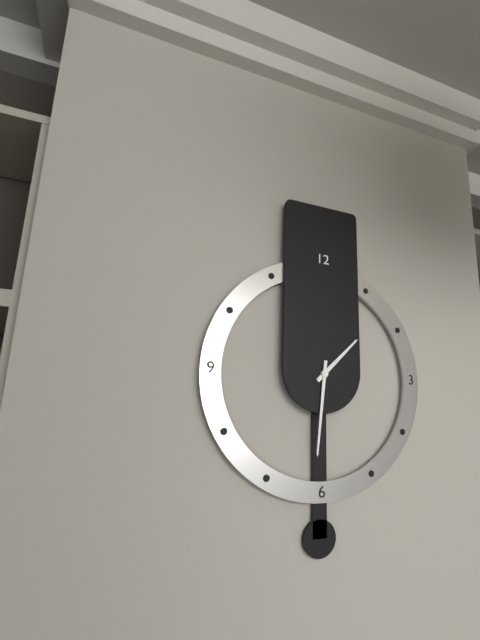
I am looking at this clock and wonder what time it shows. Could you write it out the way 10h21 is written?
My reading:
1h31
